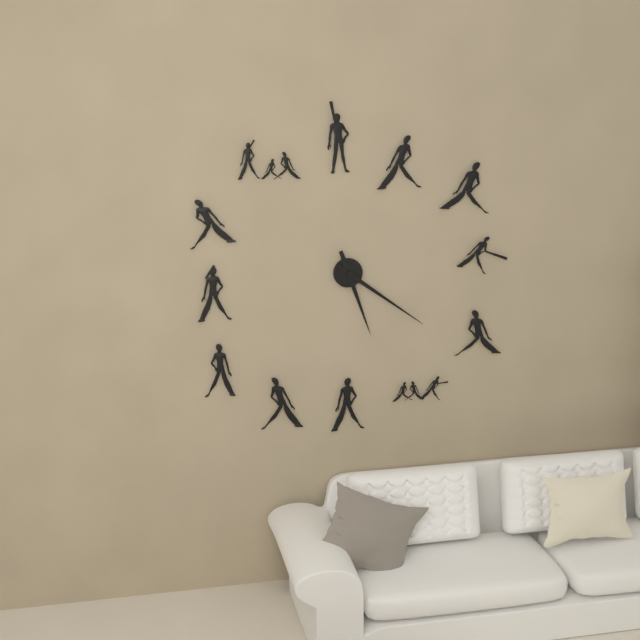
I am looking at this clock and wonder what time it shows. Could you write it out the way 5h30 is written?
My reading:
5h21
